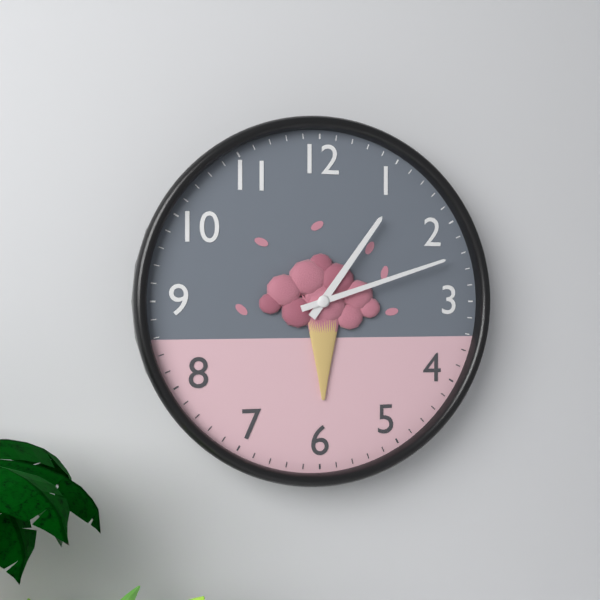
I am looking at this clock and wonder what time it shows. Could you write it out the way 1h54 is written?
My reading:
1h12
